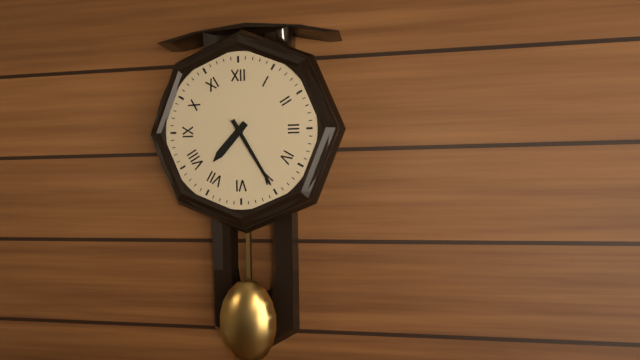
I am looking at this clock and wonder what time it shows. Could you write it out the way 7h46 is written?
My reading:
7h25
